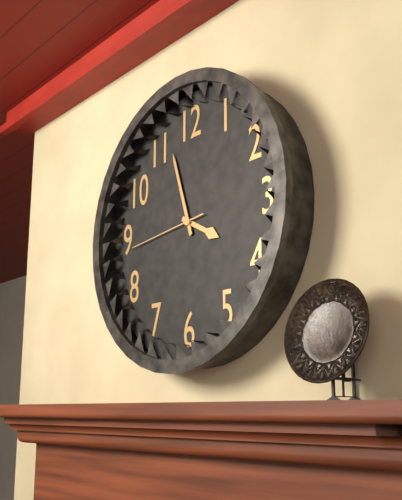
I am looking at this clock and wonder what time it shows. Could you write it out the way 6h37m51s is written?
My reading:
3h57m44s
